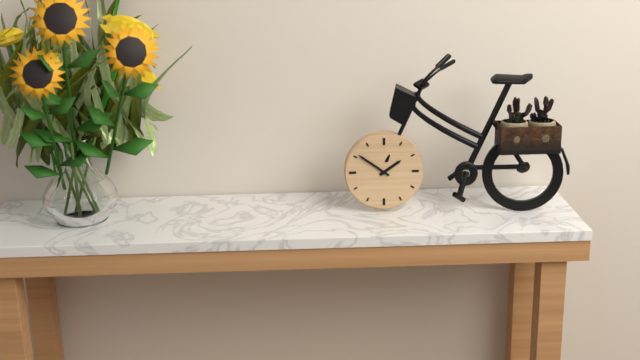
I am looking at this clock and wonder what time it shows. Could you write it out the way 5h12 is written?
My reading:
1h51
